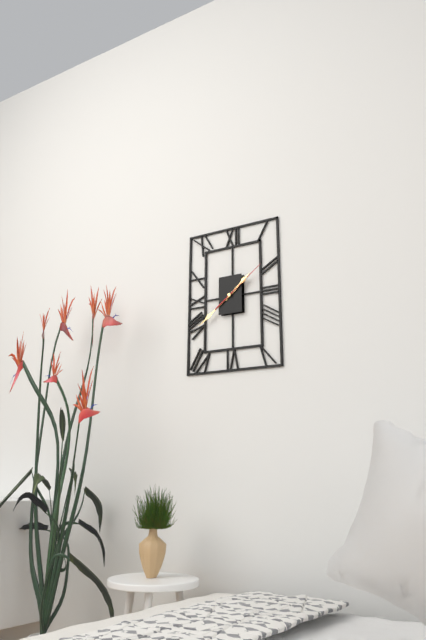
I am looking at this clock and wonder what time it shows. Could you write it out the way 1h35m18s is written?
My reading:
1h39m09s
